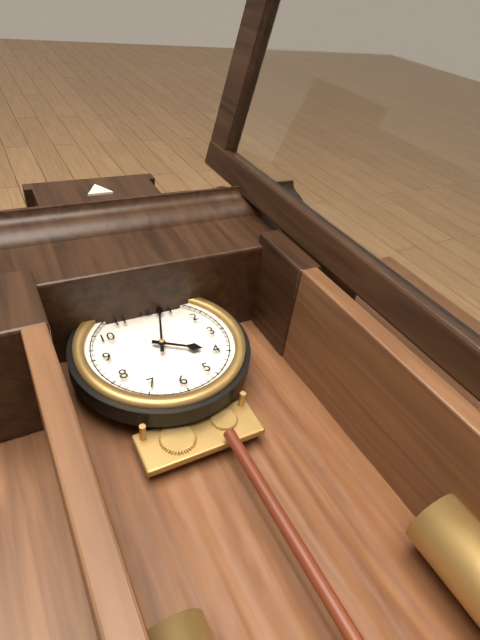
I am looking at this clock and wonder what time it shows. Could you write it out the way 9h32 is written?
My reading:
4h03
